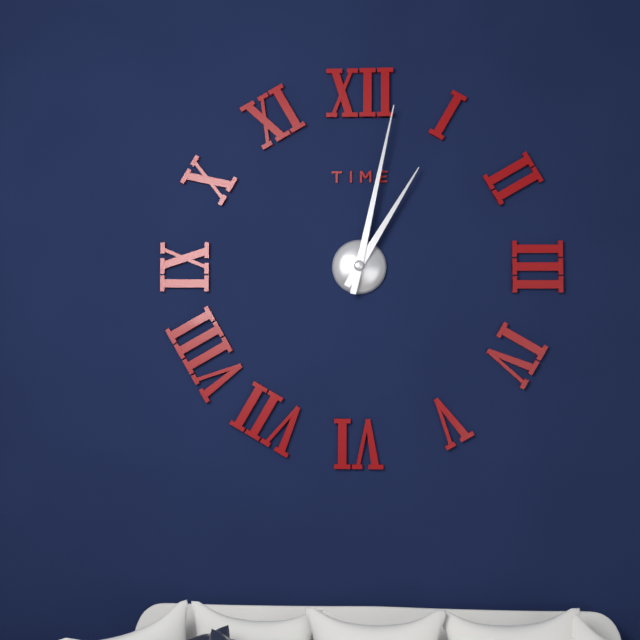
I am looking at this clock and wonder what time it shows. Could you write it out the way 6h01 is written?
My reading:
1h02
